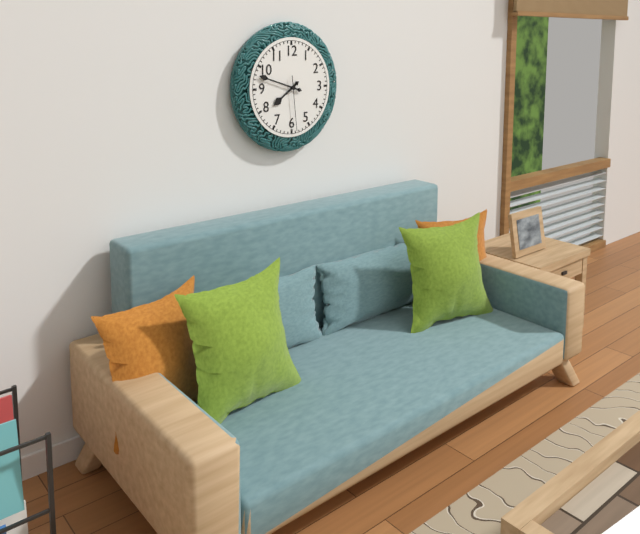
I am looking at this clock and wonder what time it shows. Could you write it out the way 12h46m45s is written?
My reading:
7h48m29s
